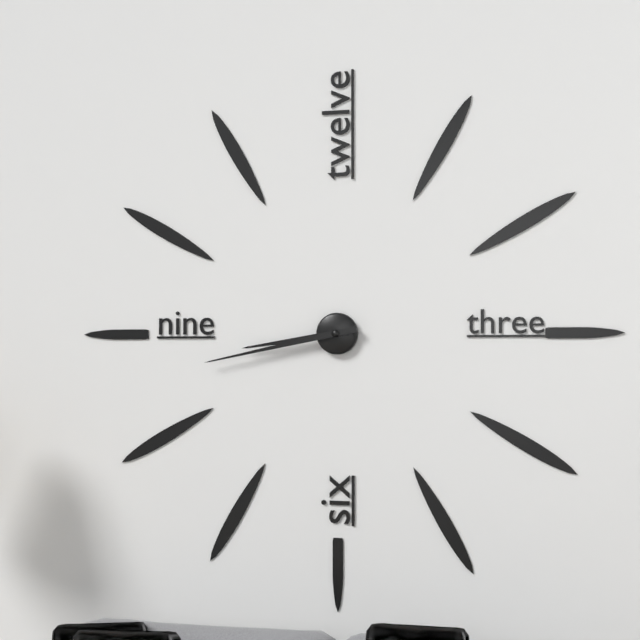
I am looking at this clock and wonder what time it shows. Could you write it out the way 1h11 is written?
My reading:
8h43
